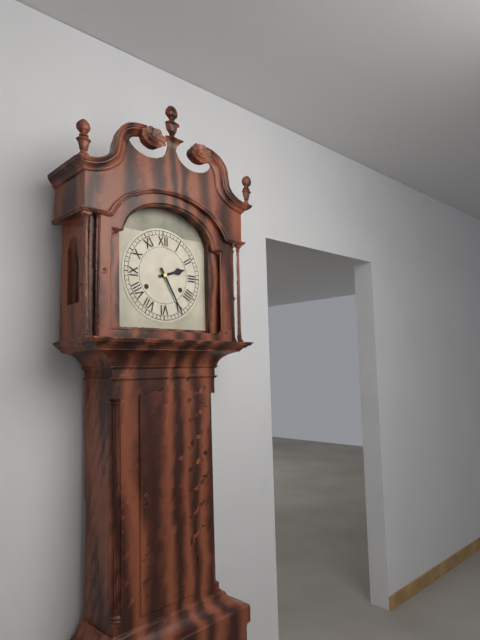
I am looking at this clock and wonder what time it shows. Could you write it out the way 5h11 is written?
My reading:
2h25
